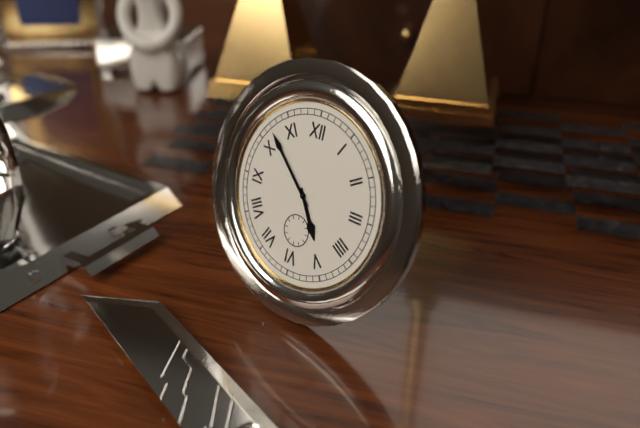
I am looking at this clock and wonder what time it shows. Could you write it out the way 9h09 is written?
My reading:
4h52
